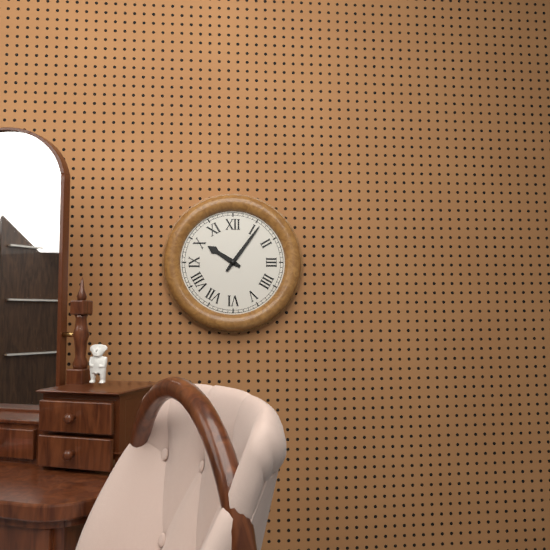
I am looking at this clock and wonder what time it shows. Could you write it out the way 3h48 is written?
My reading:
10h06
